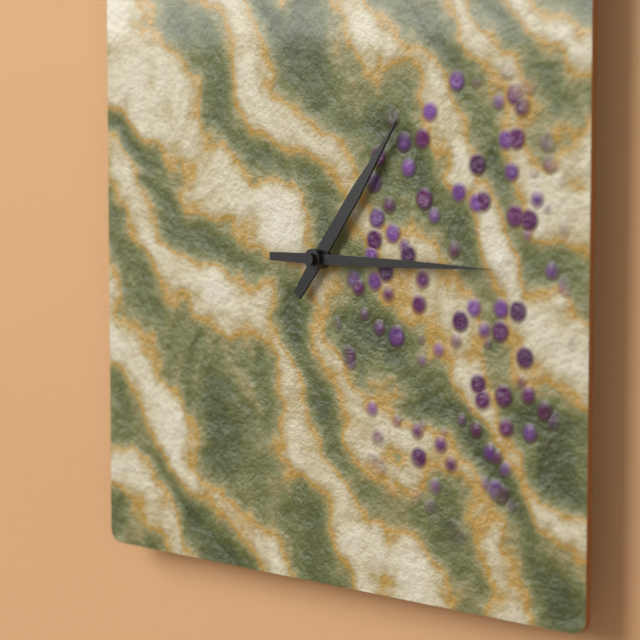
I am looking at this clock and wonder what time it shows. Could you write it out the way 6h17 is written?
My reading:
1h15
